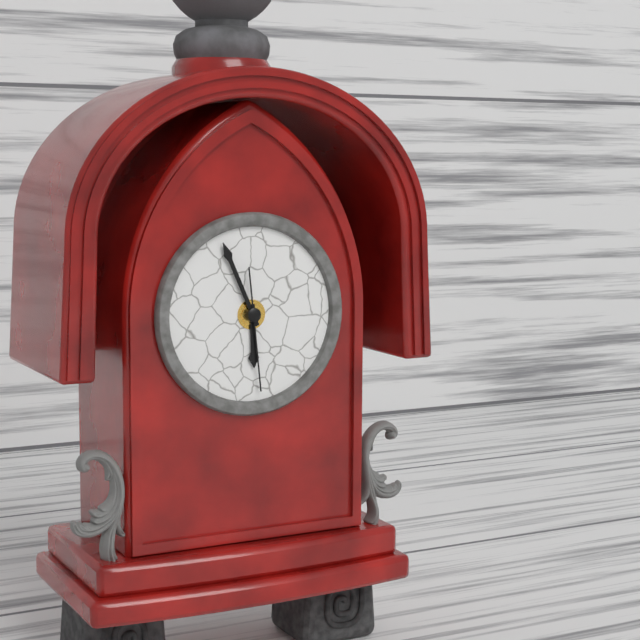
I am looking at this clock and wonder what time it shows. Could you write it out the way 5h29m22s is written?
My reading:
5h56m29s
